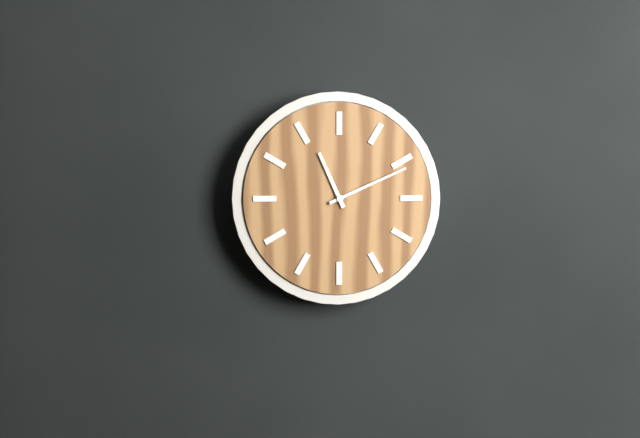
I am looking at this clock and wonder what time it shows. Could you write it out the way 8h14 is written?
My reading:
11h11
